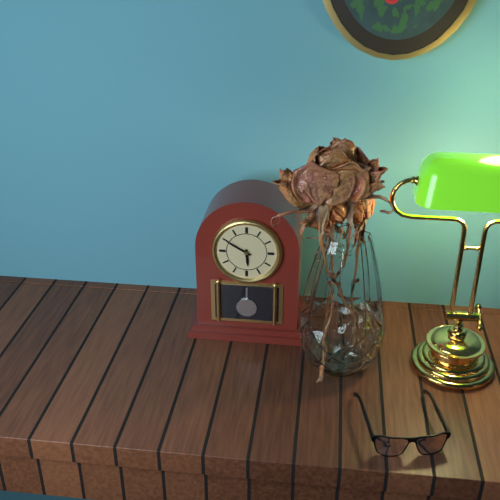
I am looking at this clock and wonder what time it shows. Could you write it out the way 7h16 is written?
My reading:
5h50
